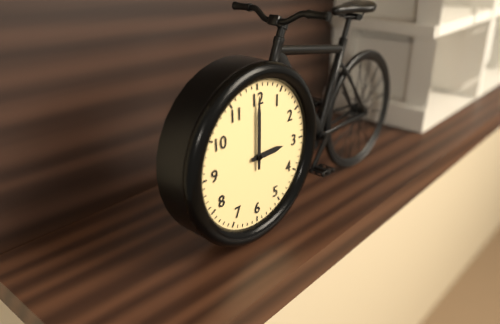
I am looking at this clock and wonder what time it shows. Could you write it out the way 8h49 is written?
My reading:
3h00
